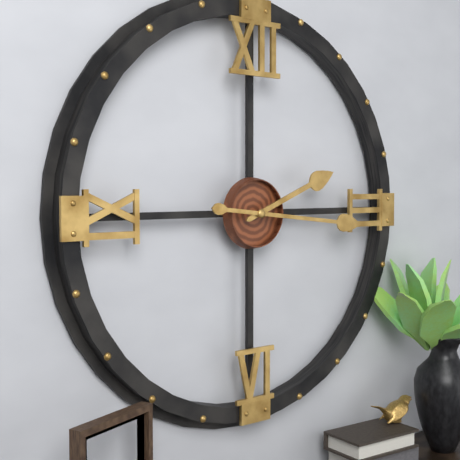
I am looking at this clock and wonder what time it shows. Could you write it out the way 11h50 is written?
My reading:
2h16
